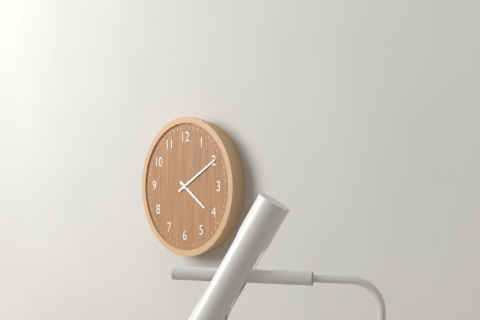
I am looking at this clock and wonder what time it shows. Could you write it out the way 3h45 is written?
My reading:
4h10
